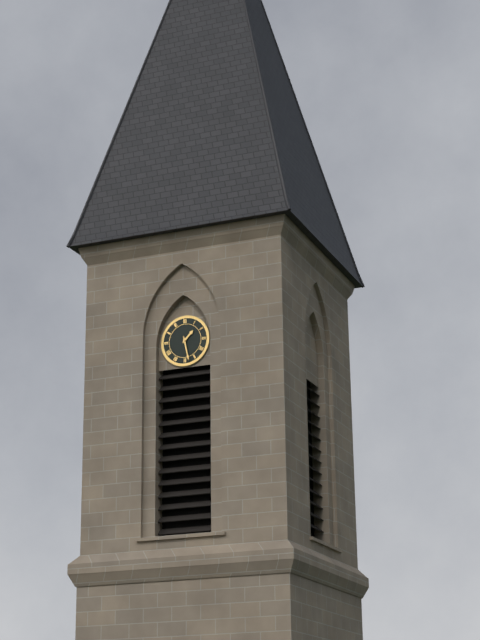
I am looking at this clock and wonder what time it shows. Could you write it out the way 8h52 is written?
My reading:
1h28
